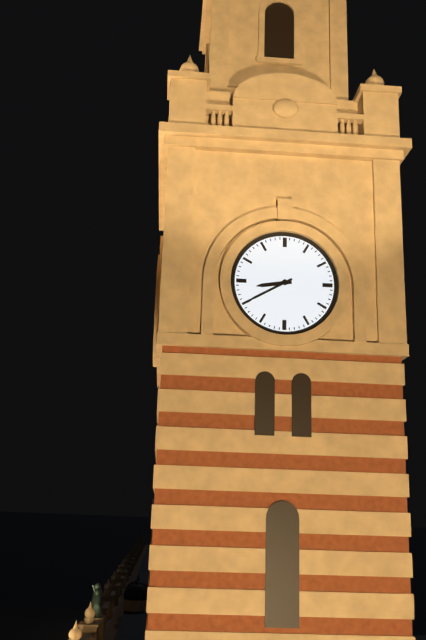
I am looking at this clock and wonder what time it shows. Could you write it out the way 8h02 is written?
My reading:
8h40
